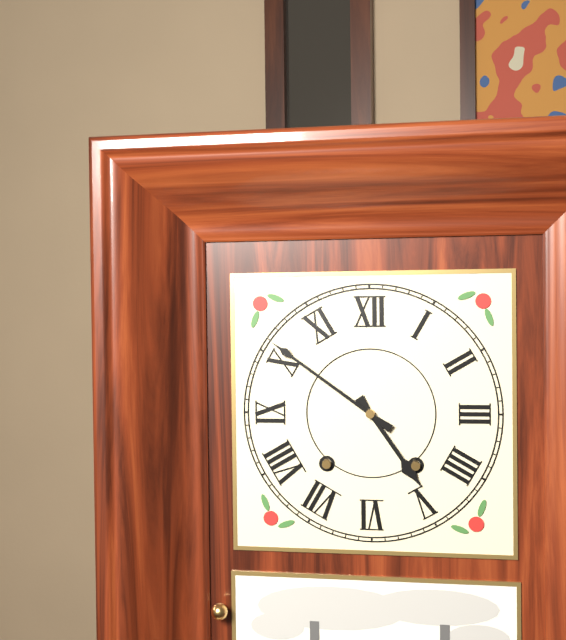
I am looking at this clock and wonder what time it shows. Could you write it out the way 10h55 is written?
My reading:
4h51
